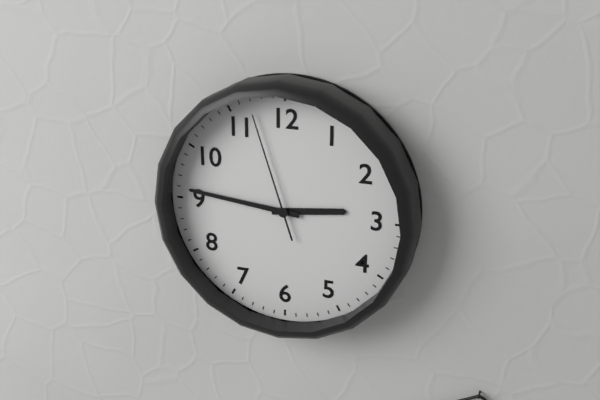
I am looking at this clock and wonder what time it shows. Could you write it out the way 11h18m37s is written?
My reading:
2h46m57s
